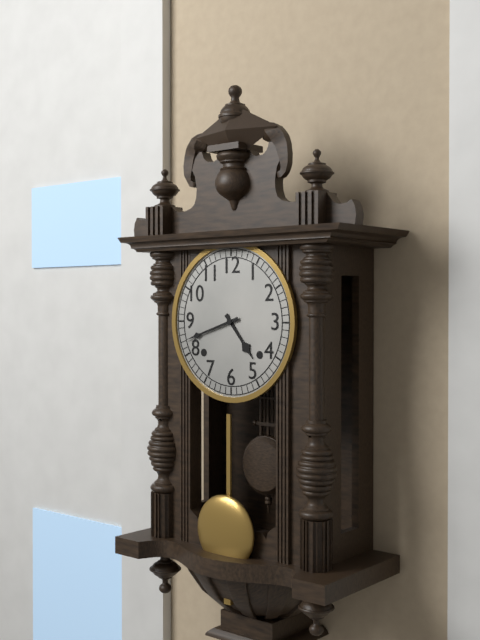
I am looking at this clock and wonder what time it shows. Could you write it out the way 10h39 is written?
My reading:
4h42
